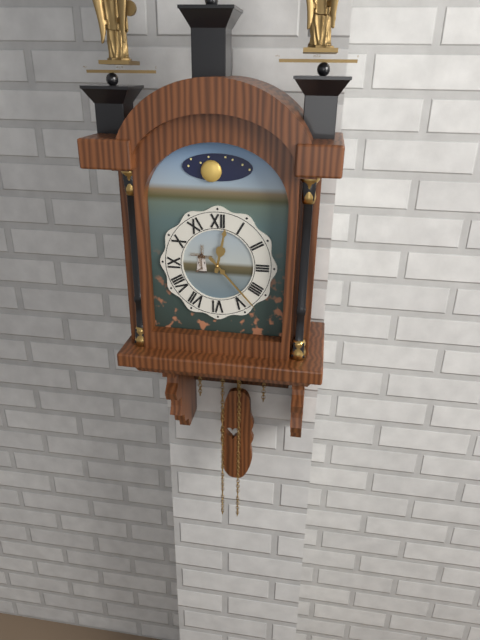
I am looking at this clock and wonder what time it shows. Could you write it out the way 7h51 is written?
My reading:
12h23
